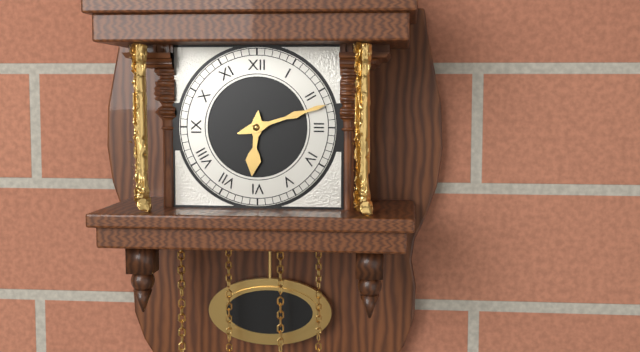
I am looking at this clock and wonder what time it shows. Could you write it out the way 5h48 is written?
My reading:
6h12
